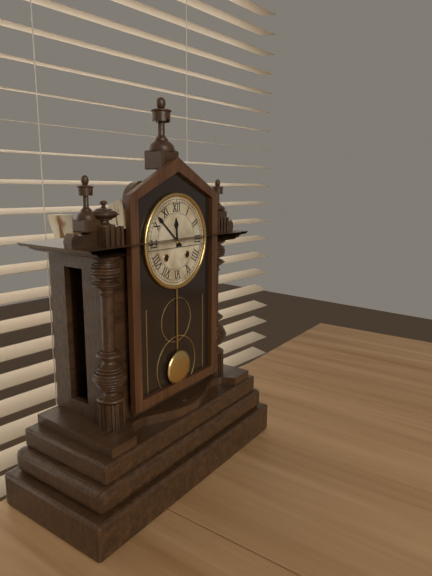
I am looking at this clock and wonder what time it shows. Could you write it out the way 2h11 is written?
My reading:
11h52
